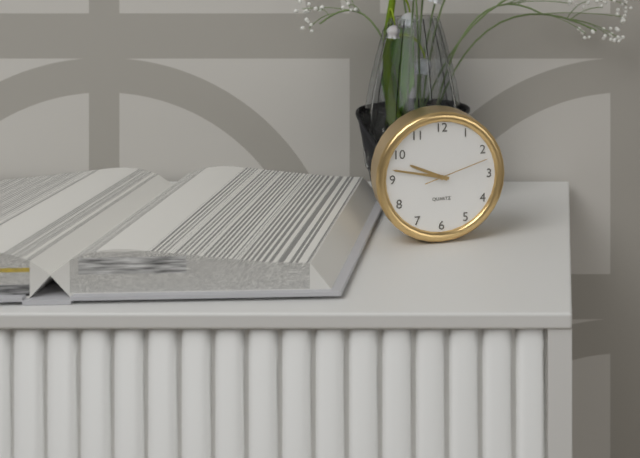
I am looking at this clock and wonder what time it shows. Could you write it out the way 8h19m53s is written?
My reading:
9h47m12s
